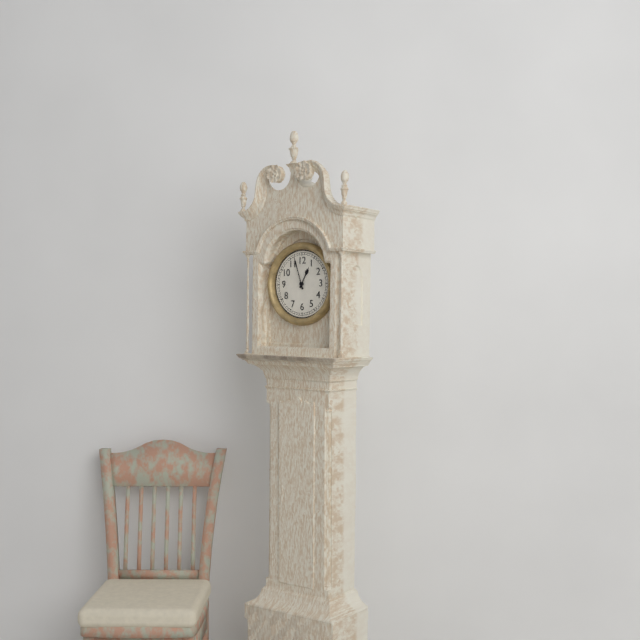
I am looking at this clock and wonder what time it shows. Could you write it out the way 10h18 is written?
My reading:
12h57
